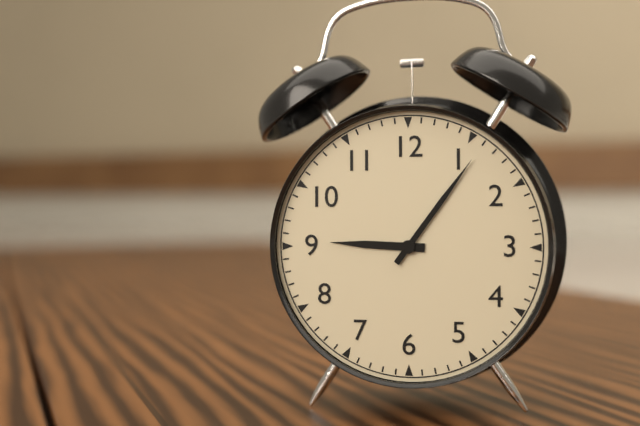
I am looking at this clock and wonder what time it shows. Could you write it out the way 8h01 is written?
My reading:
9h06
